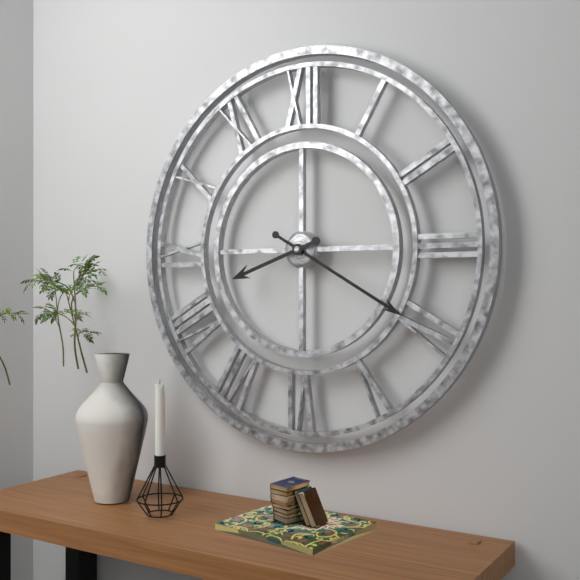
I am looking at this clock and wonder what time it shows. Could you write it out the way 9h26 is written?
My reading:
8h20
